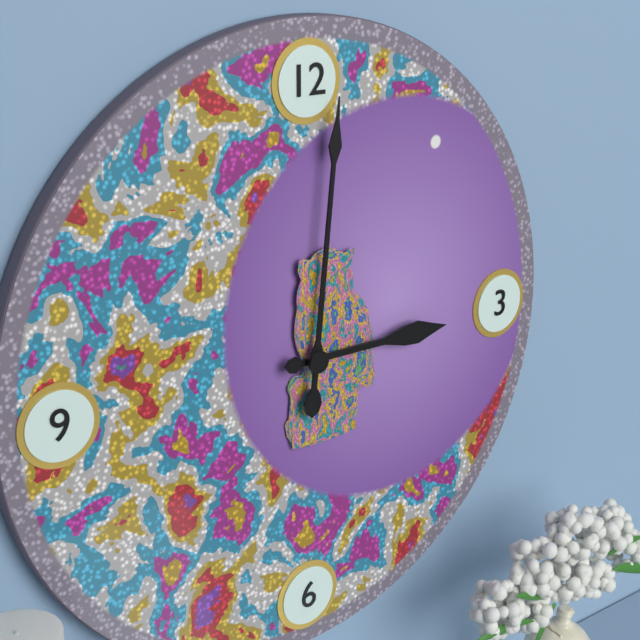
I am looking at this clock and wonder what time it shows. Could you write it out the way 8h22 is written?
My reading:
3h01
